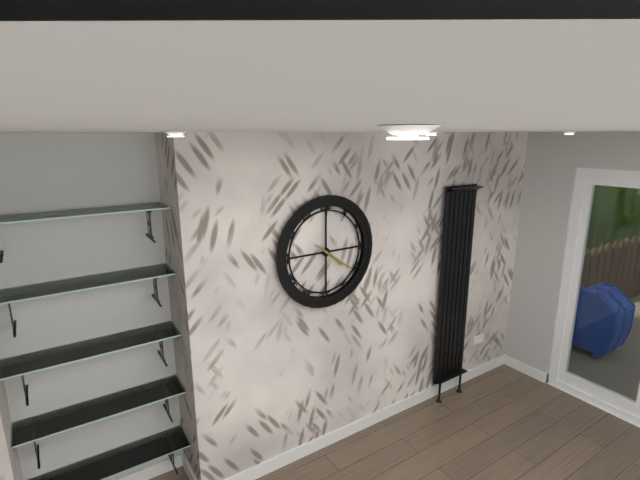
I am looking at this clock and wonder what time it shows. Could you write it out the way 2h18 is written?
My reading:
4h21
